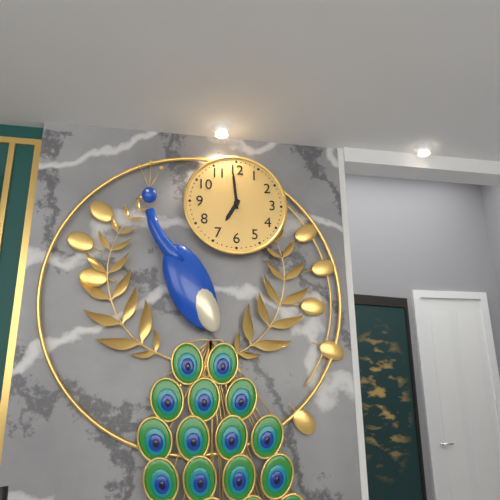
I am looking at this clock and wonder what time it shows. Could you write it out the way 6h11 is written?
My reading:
6h59
